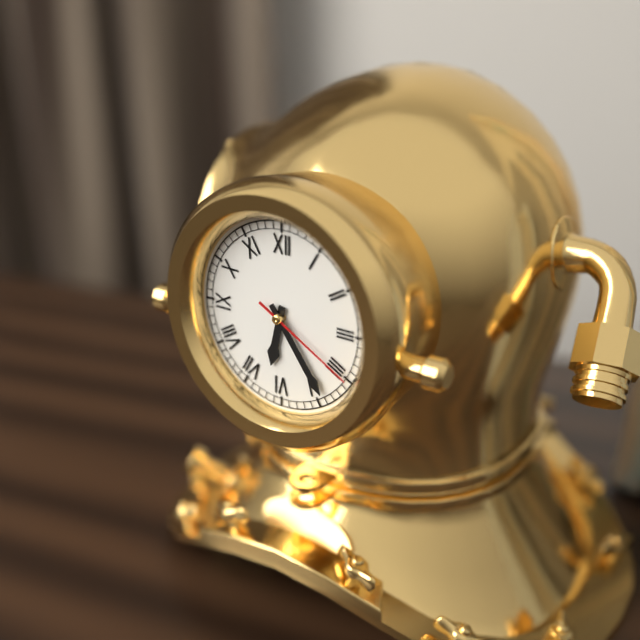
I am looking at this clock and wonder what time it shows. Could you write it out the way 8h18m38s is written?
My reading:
6h24m20s
